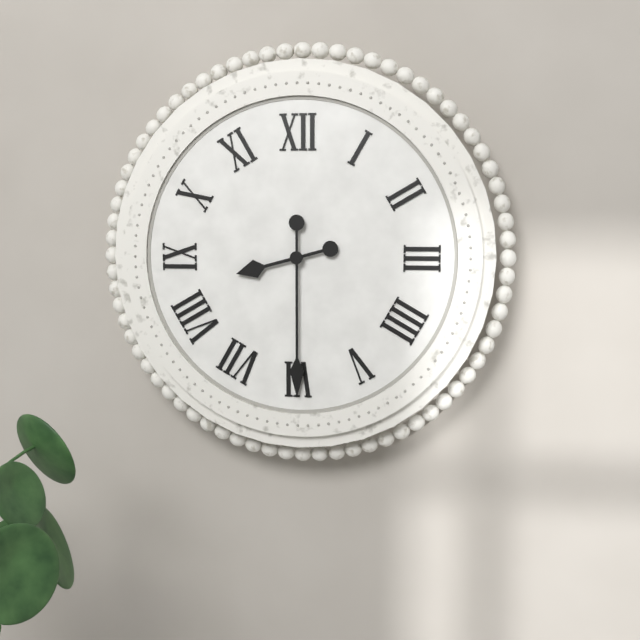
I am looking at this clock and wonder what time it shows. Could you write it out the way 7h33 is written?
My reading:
8h30
